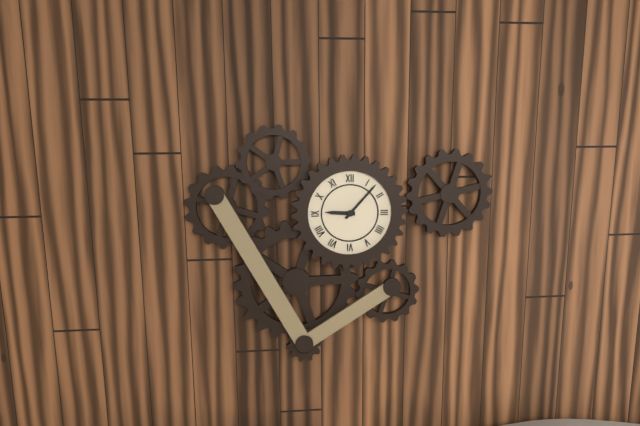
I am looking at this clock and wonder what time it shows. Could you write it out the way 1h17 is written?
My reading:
9h07
